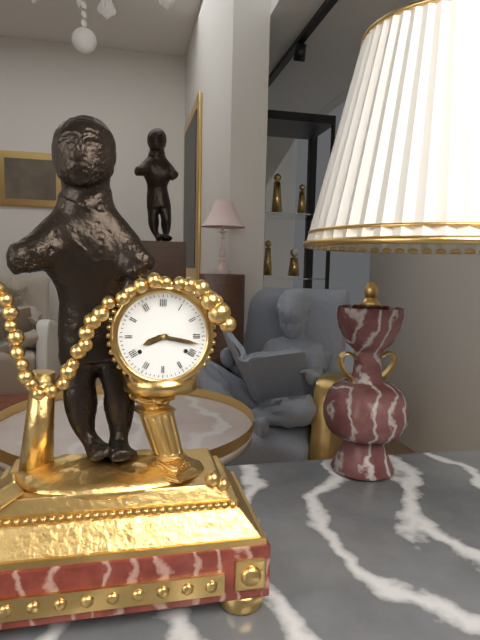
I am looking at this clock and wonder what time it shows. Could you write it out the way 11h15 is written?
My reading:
8h17
